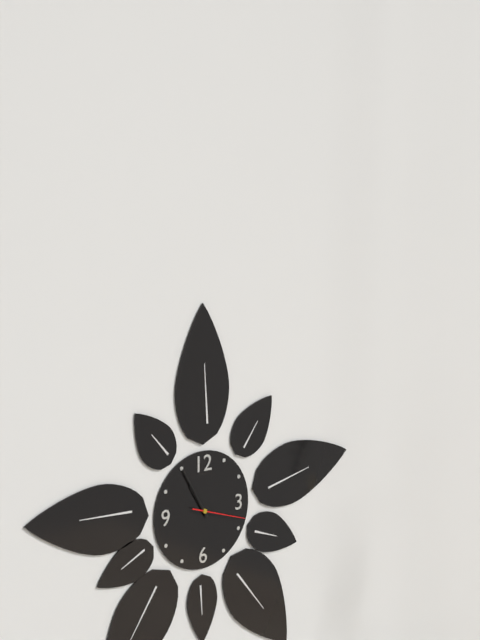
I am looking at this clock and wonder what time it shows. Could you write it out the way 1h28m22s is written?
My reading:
10h55m18s
